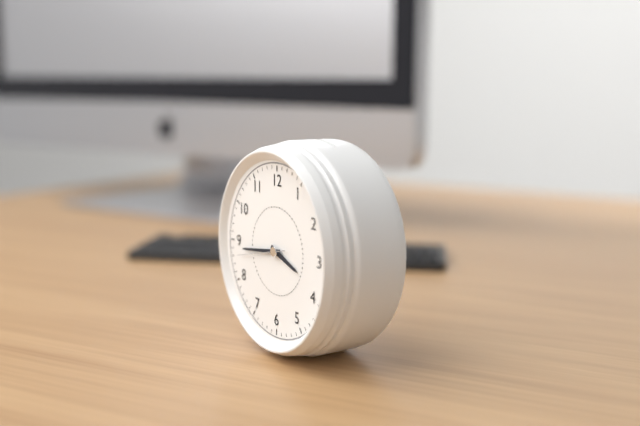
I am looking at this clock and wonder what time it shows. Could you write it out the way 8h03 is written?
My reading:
3h44
